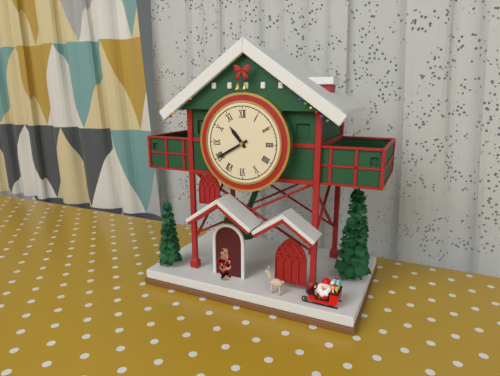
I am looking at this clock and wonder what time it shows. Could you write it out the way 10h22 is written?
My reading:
10h40
